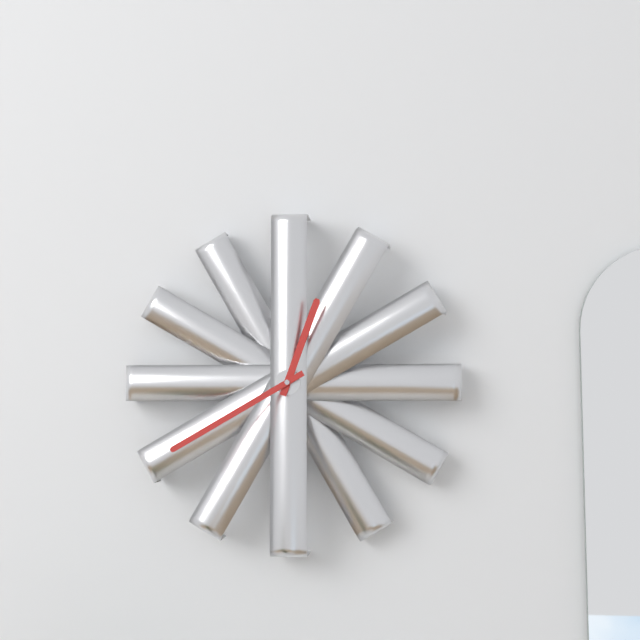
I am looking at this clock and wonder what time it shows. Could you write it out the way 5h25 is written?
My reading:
12h40
